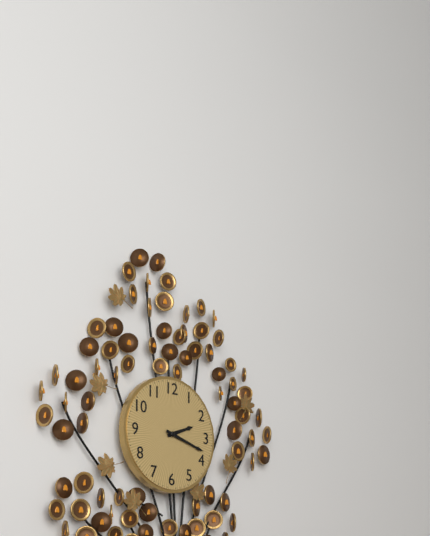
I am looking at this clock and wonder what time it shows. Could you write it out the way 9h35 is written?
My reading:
2h18
